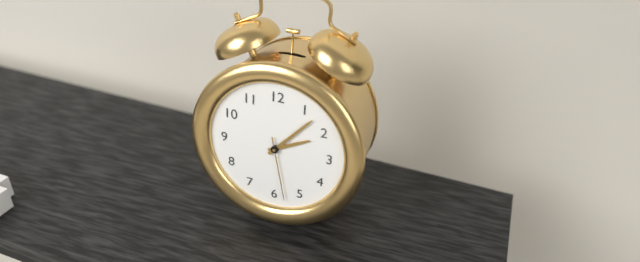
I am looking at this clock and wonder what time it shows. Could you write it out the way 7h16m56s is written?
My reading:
2h07m28s
